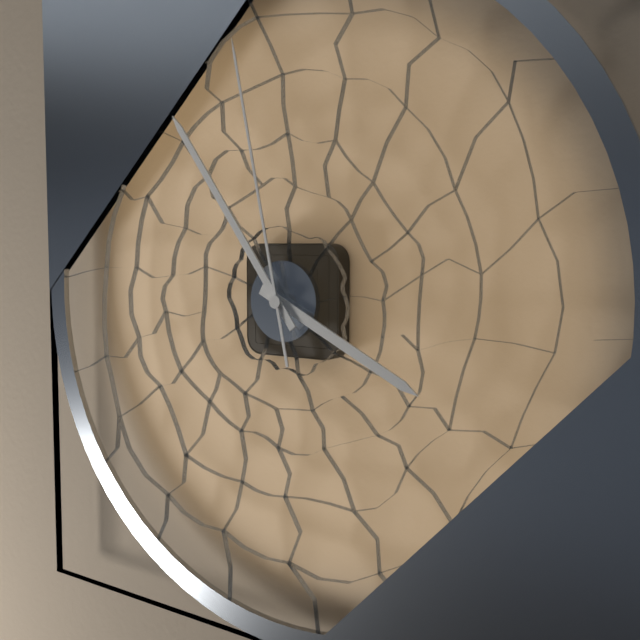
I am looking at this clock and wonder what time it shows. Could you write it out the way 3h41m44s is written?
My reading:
3h54m58s
